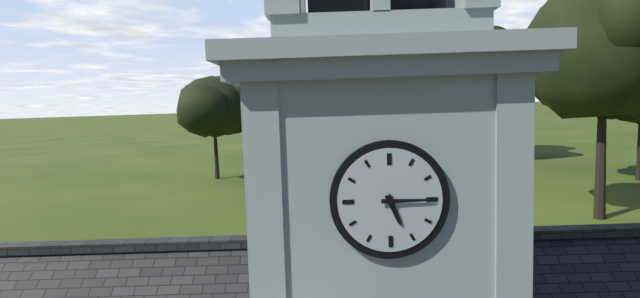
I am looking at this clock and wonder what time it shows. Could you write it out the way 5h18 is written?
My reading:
5h15
